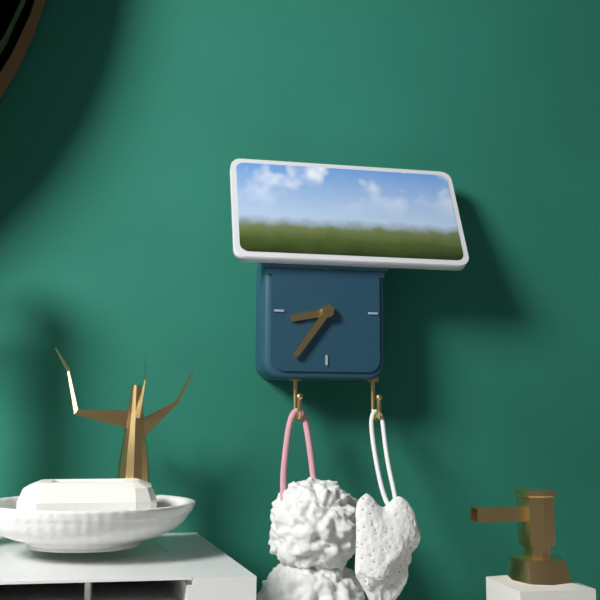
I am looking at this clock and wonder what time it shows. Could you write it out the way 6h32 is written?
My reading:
8h36
